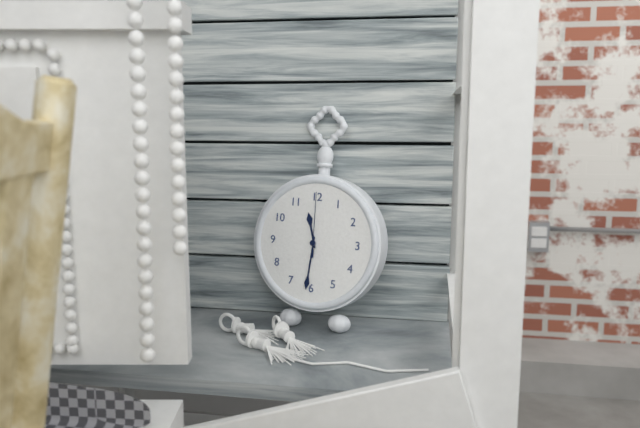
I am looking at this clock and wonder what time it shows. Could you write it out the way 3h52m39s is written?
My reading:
11h31m00s
